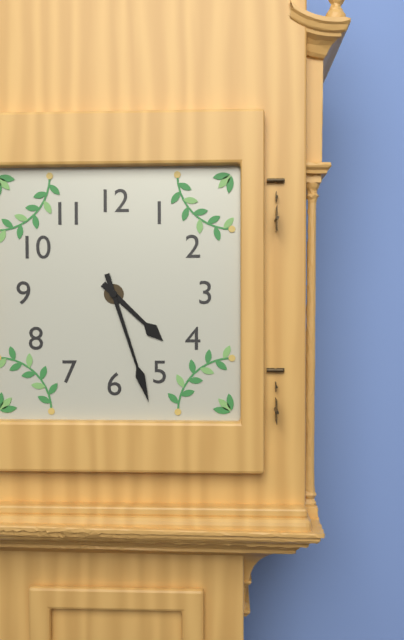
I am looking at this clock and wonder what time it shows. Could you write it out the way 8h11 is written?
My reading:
4h27
